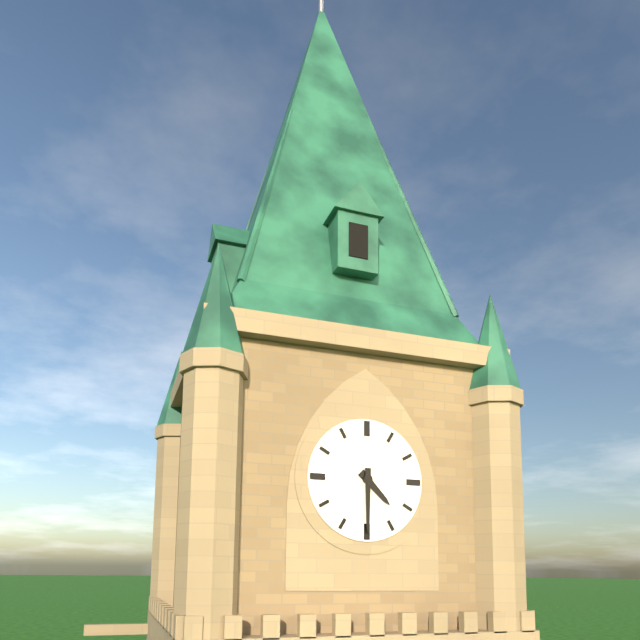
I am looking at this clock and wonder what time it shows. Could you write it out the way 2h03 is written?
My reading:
4h30
